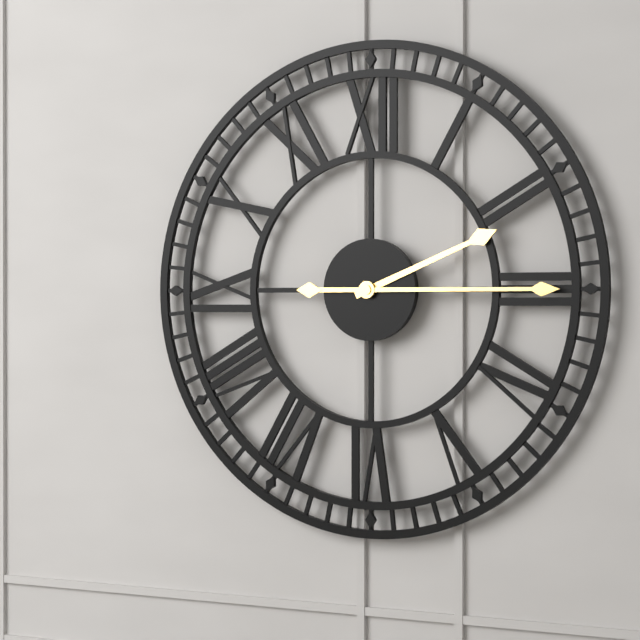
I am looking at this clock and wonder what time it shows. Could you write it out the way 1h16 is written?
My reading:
2h15
